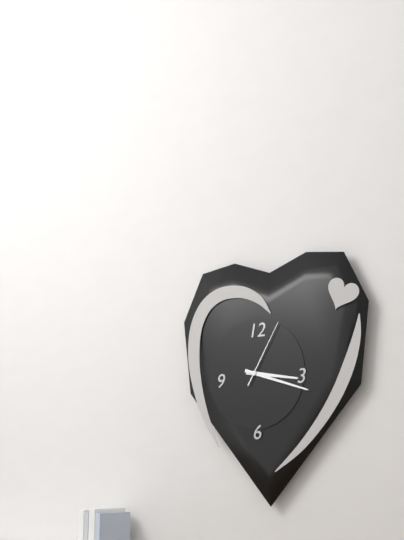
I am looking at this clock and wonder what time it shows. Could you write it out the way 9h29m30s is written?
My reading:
3h18m05s
